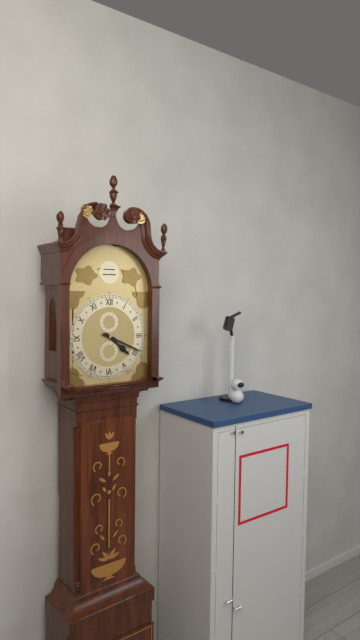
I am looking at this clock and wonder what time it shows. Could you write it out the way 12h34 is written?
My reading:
4h19
